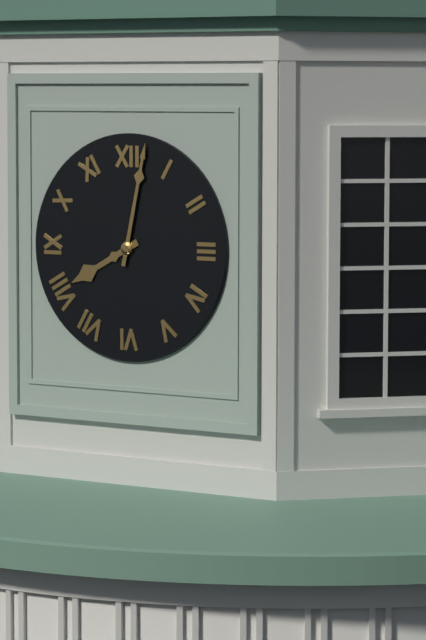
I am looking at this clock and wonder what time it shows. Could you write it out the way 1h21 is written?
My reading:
8h02
